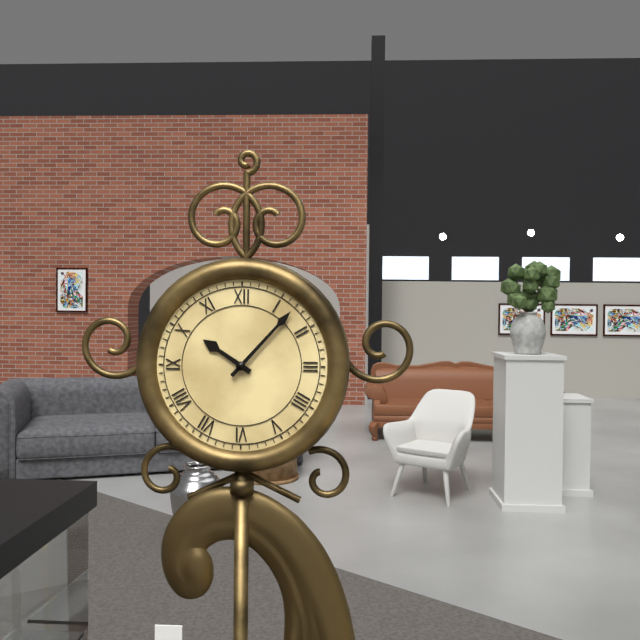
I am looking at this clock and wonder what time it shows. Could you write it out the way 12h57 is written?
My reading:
10h07
